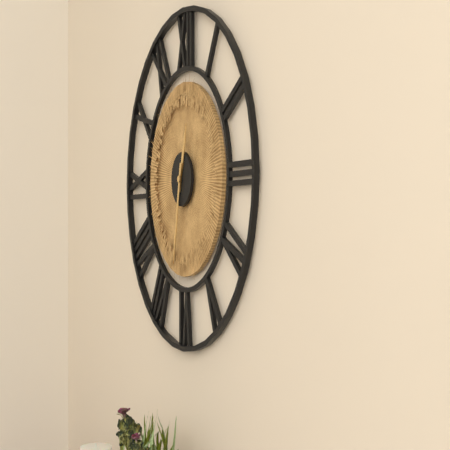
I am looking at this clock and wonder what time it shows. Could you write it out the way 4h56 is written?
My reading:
12h32
